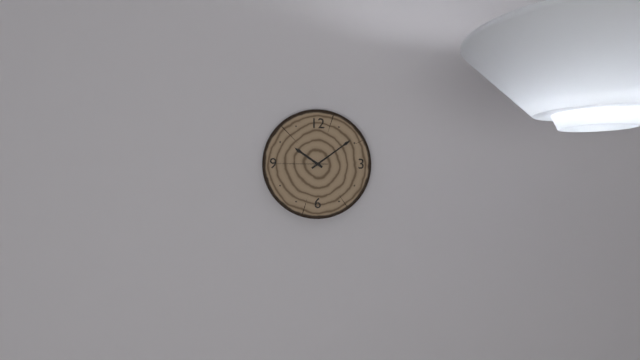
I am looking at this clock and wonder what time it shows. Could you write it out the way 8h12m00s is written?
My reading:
10h09m45s
